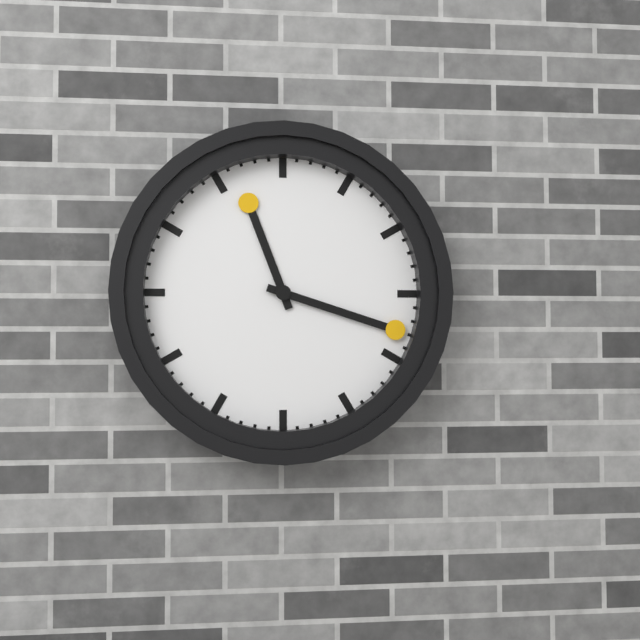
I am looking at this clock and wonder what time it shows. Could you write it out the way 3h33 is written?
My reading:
11h18
